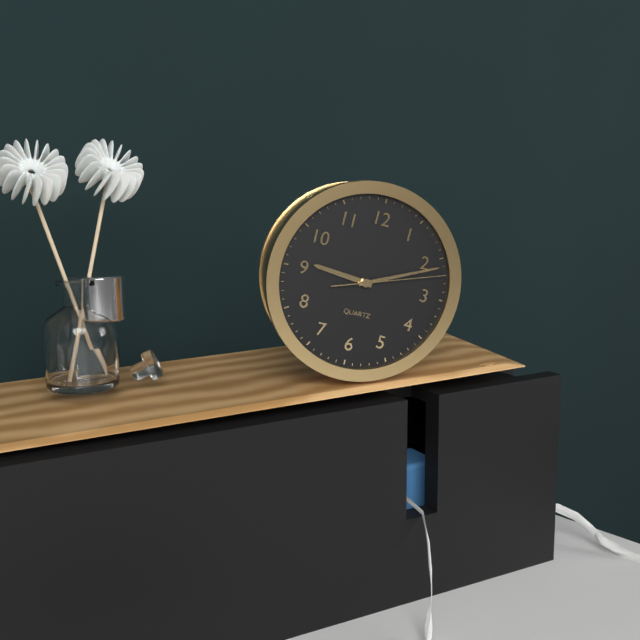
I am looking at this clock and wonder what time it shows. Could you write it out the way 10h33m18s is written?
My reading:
9h11m12s
